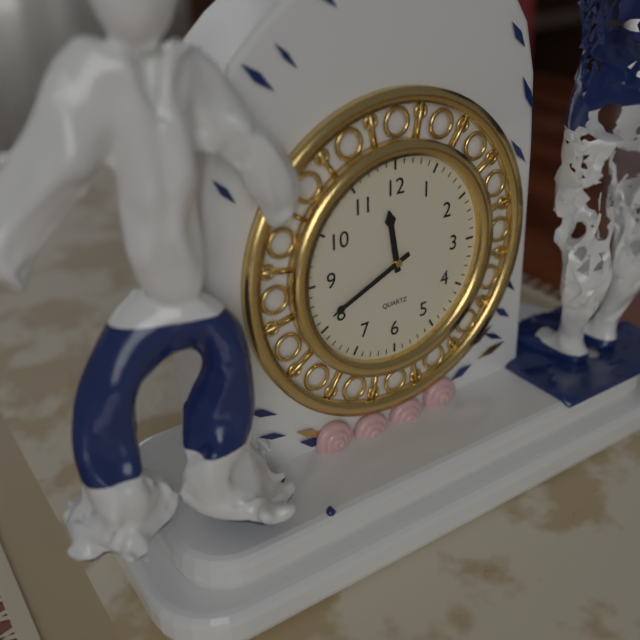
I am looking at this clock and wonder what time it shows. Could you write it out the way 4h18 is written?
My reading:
11h41
